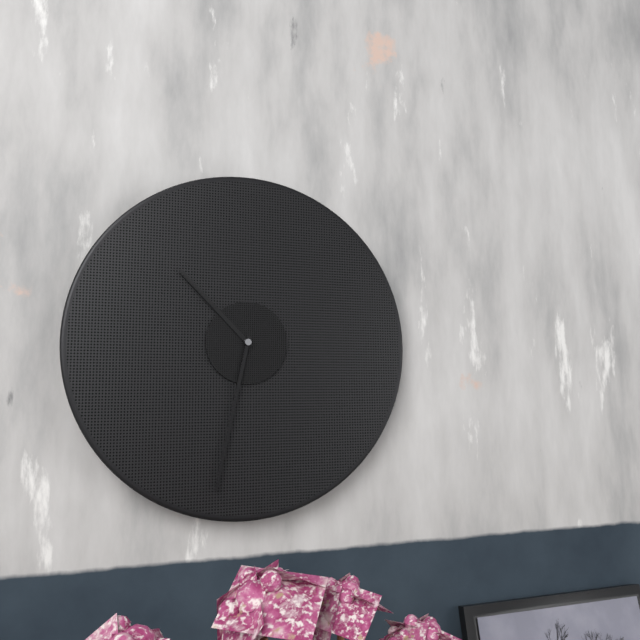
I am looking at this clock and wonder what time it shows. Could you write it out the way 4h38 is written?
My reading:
10h32
